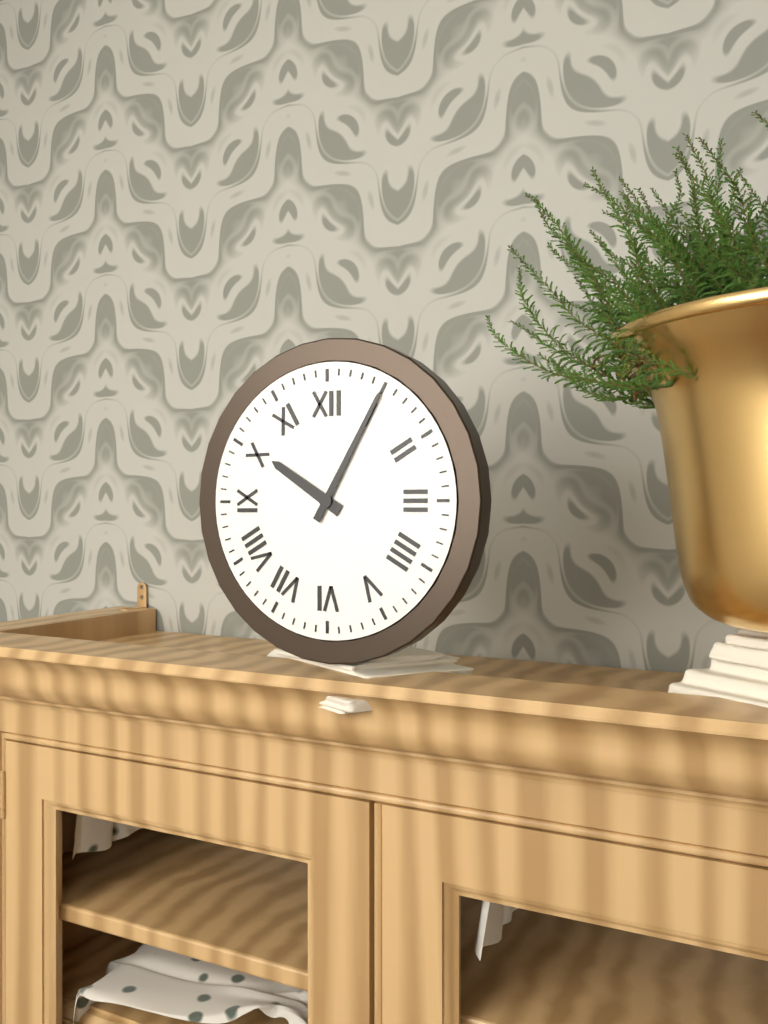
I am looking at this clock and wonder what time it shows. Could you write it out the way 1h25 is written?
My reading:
10h05
